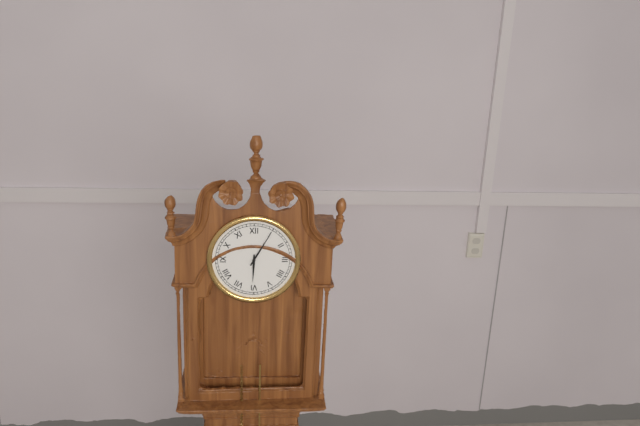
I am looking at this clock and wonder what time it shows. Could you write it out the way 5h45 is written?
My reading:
6h05
